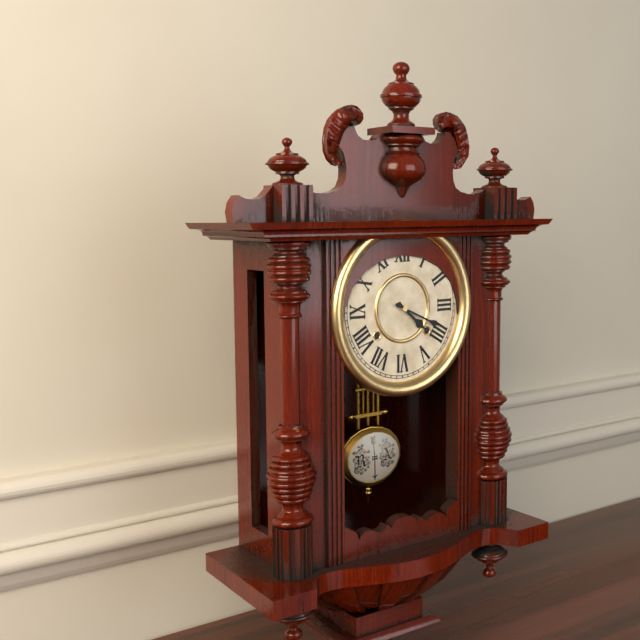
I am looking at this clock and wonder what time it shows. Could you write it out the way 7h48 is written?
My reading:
4h19
